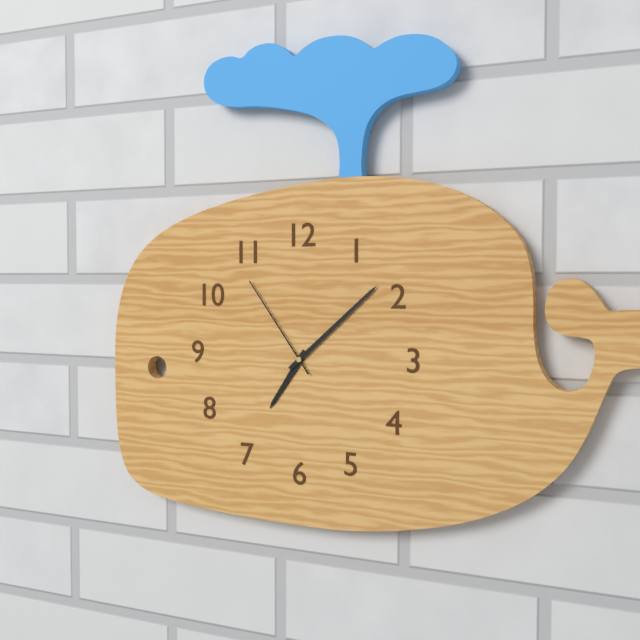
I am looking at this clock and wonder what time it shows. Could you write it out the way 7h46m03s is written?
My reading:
7h08m54s
